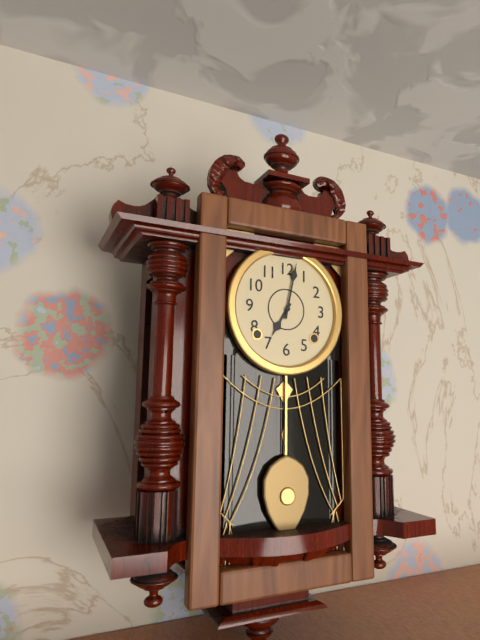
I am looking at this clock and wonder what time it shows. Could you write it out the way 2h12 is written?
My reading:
7h02
